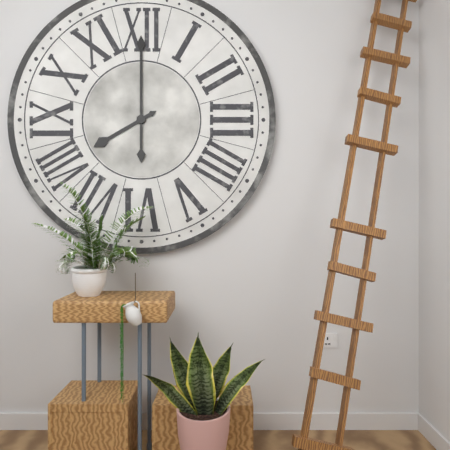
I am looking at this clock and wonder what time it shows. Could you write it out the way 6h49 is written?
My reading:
8h00
